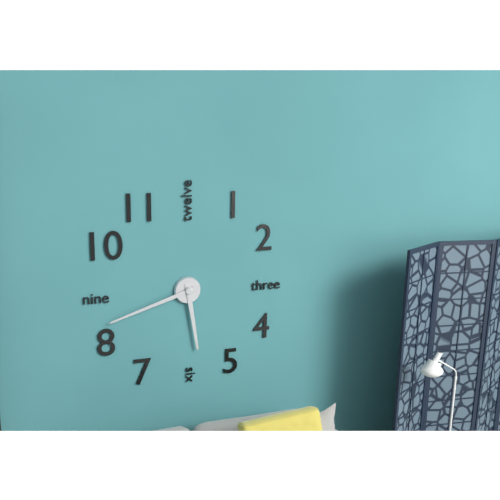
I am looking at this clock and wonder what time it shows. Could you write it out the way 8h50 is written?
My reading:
5h42
